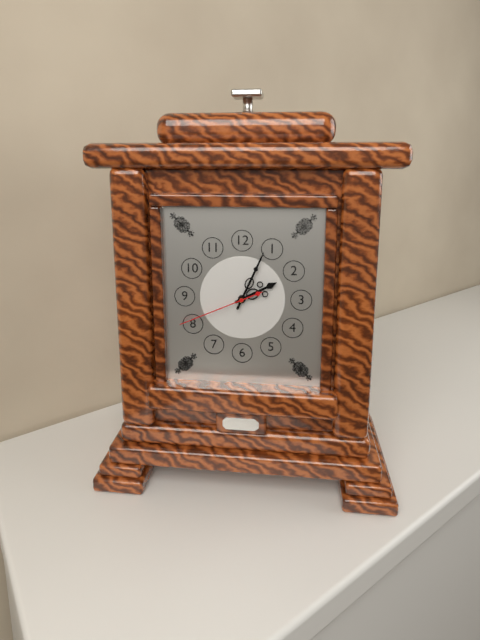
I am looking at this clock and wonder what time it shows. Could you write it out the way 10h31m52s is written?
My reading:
2h04m41s
